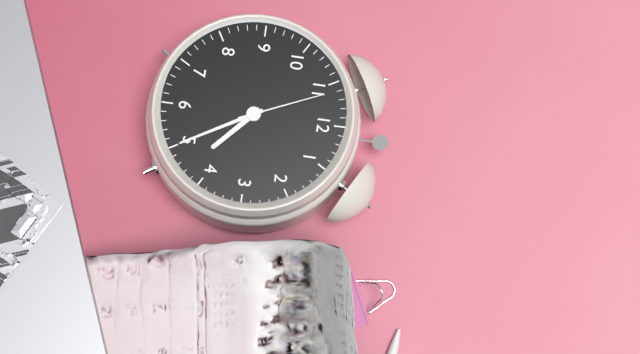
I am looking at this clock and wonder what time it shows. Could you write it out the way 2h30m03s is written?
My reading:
4h25m56s
